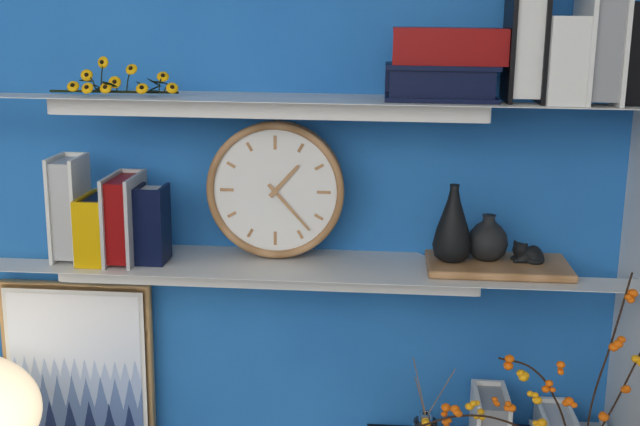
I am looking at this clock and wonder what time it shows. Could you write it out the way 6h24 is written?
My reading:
1h23
